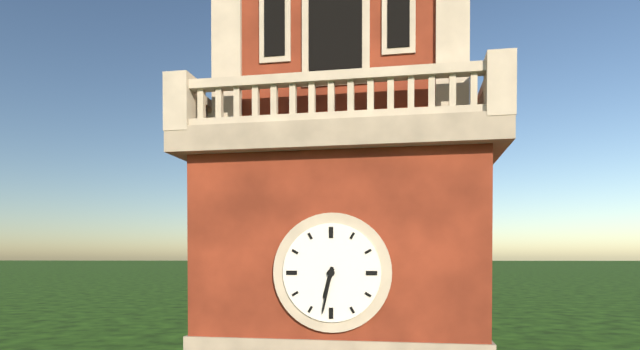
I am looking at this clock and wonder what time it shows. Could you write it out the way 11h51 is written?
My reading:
6h32
